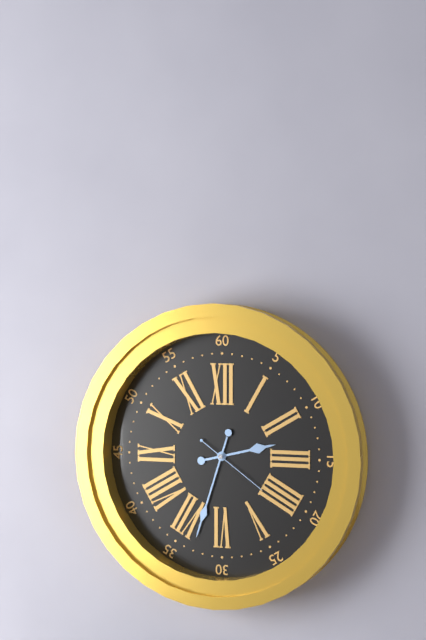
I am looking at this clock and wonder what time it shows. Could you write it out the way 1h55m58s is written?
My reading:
2h33m21s
